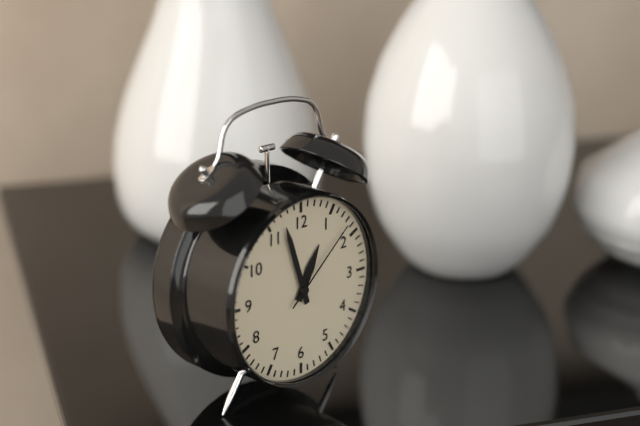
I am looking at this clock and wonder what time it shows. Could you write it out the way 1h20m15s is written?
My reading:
12h57m08s
